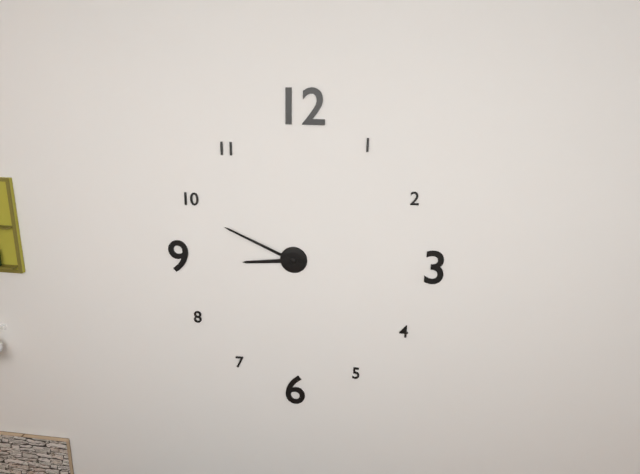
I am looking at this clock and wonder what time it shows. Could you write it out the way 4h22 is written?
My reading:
8h49
